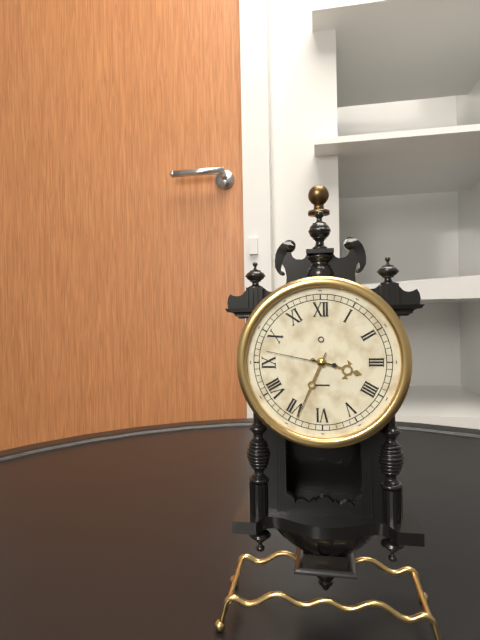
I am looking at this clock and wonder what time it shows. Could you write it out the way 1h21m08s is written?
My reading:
3h34m47s
